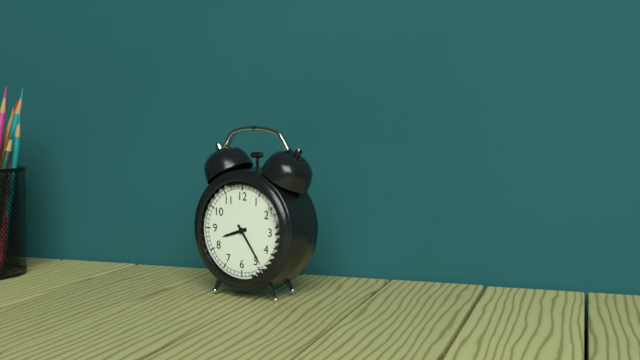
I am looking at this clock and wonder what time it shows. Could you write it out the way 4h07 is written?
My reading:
8h24
